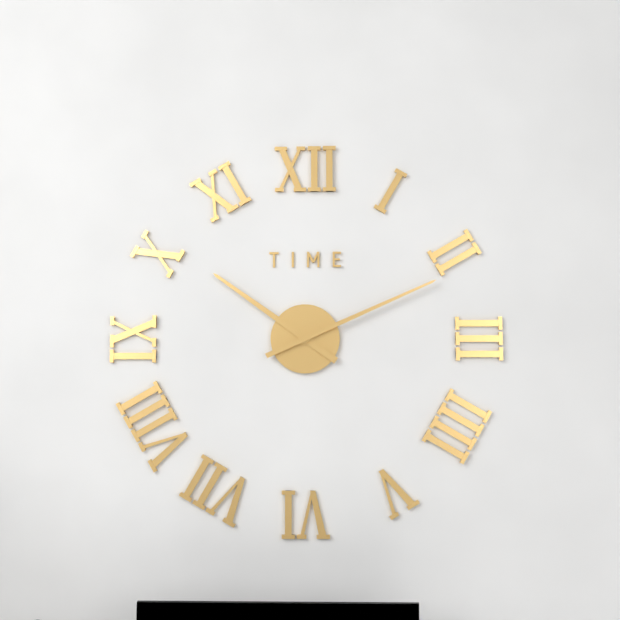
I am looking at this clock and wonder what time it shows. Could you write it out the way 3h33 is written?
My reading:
10h11
